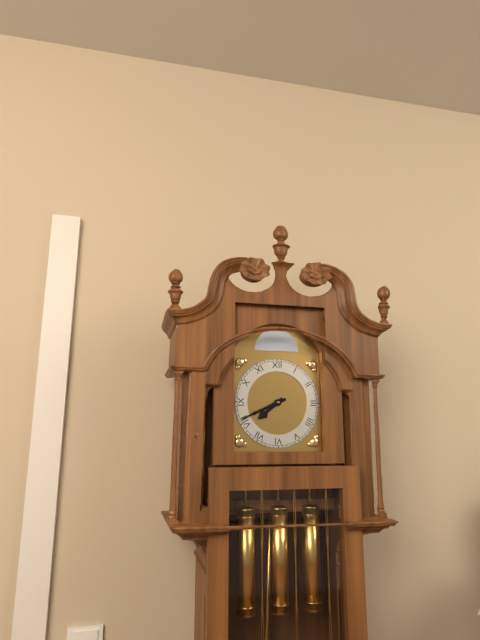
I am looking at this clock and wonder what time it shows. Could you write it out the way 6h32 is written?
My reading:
7h41
